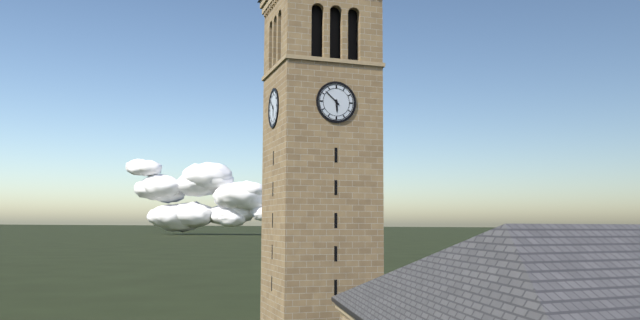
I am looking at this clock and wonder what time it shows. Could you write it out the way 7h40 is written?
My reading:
5h52
